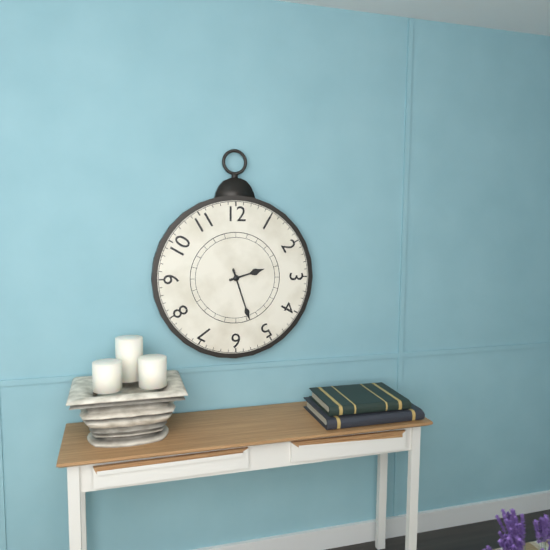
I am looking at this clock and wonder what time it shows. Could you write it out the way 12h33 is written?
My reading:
2h27
